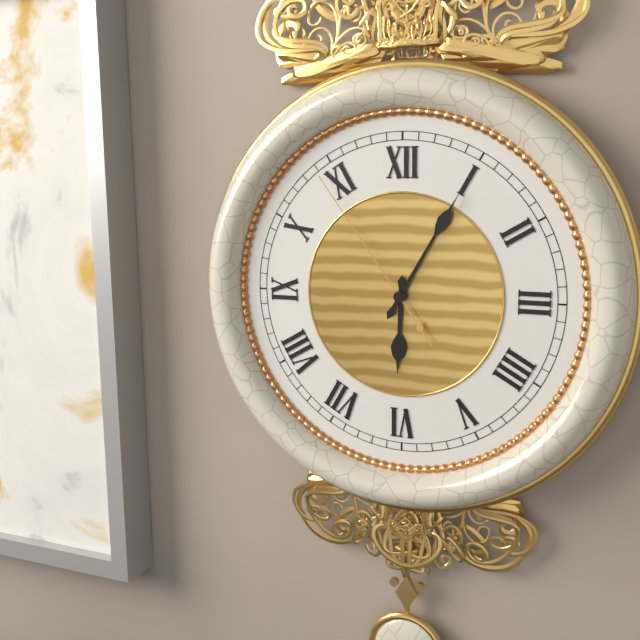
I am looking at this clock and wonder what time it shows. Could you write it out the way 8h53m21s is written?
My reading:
6h05m54s
